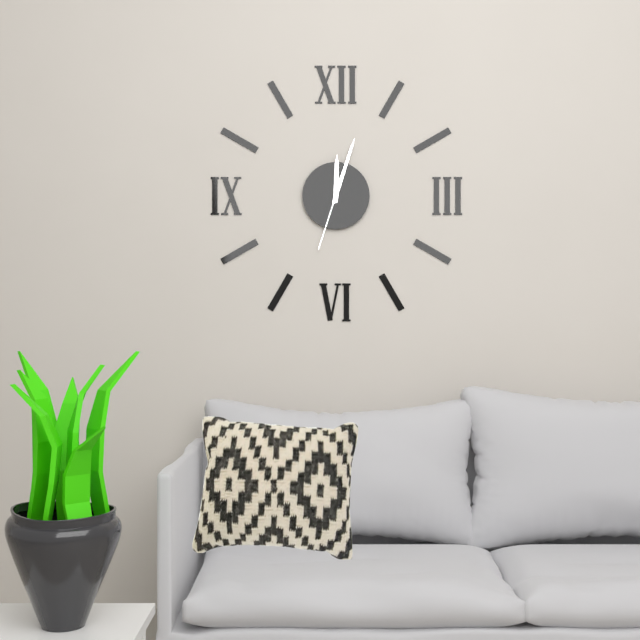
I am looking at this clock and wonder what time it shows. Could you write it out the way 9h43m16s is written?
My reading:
12h03m33s
